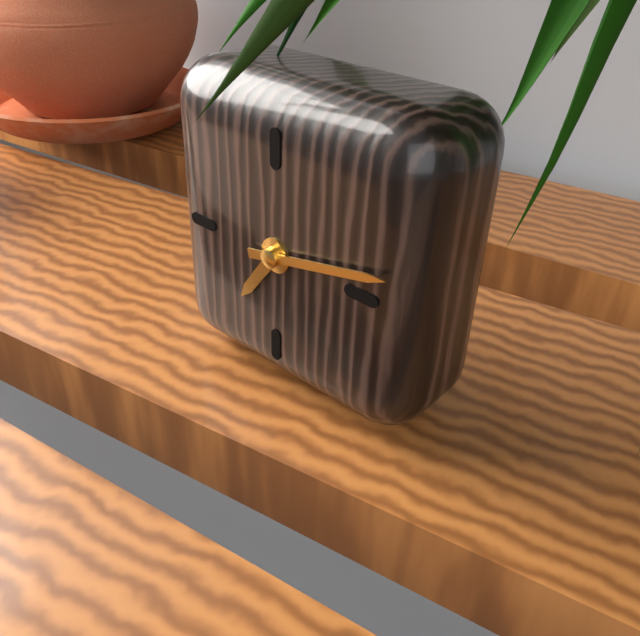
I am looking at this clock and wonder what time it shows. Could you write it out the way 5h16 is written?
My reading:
7h13
